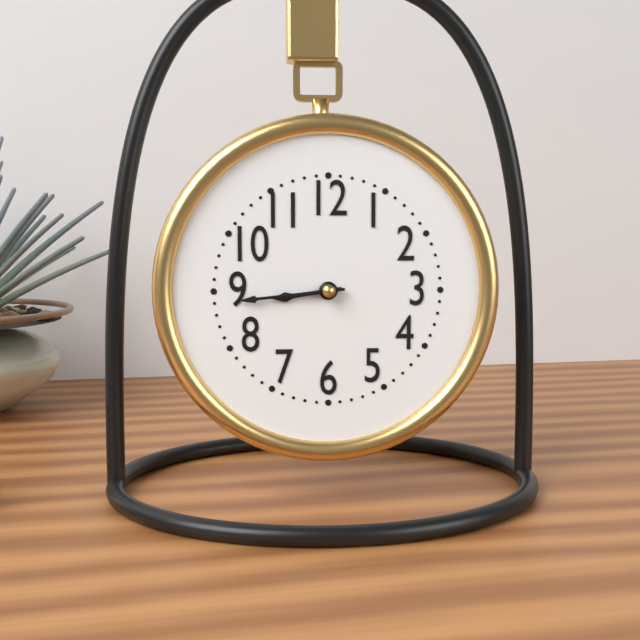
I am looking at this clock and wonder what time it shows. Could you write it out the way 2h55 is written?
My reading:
8h44
